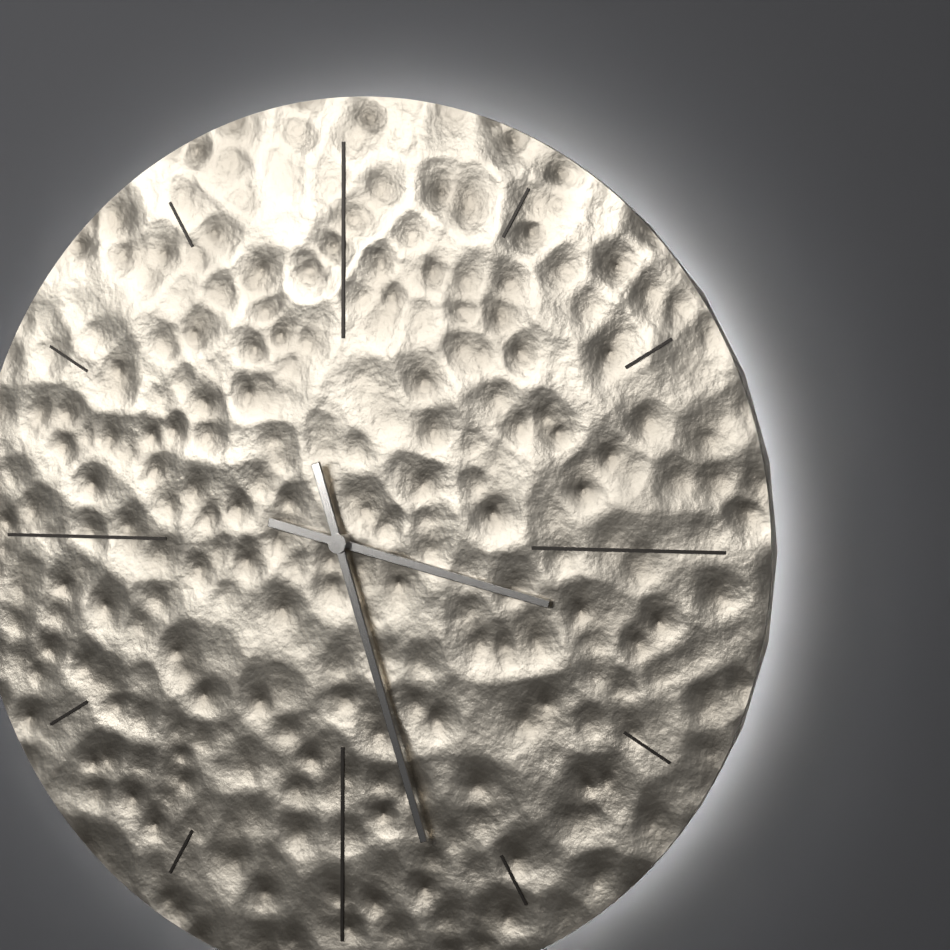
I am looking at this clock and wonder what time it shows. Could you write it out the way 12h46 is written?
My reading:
3h27
